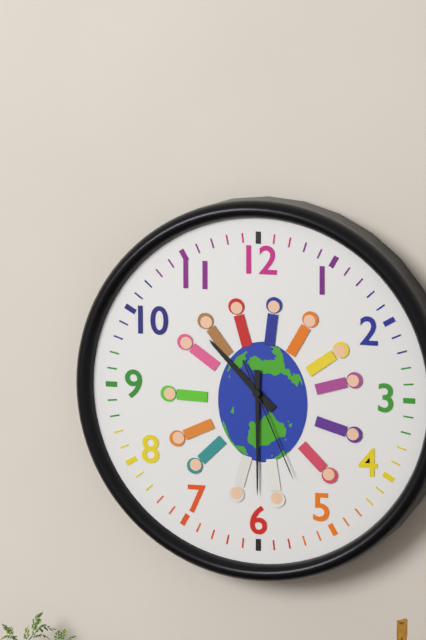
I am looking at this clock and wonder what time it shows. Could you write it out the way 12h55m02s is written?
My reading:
10h30m26s
